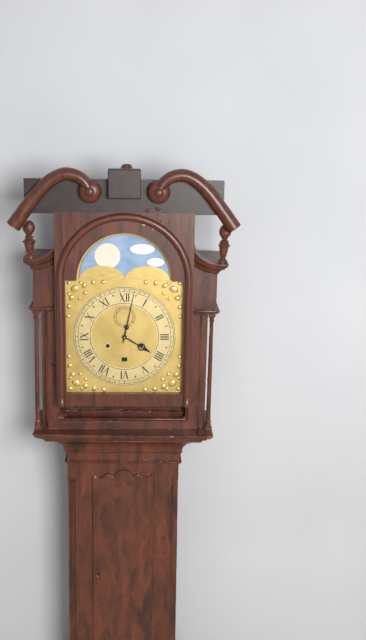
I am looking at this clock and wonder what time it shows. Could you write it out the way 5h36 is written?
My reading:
4h02
